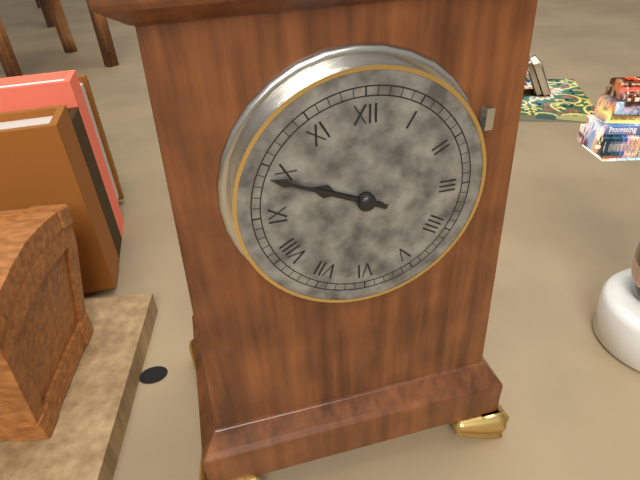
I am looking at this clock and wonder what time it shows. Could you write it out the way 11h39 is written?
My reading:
9h49
